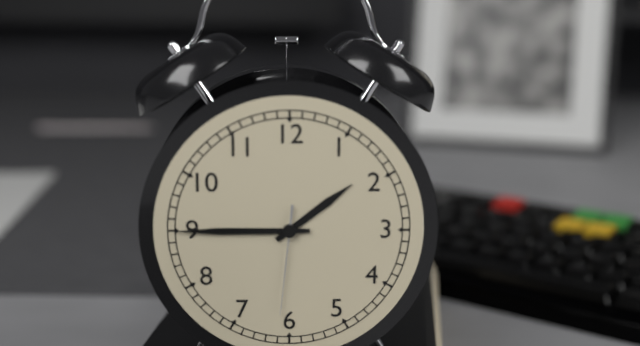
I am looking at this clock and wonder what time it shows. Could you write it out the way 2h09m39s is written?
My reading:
1h45m31s
